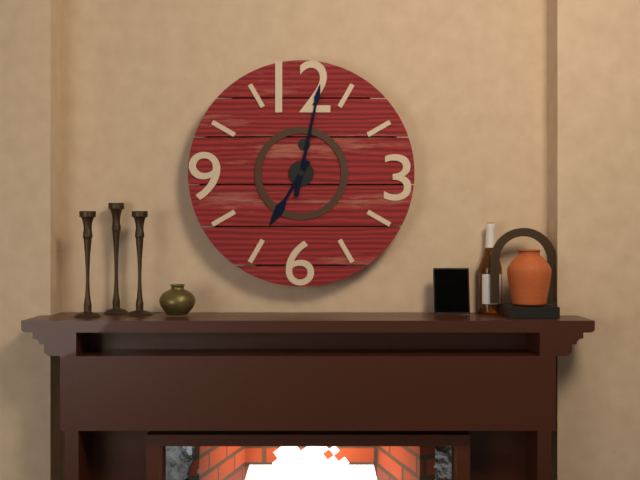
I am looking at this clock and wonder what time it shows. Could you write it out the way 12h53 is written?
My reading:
7h02
